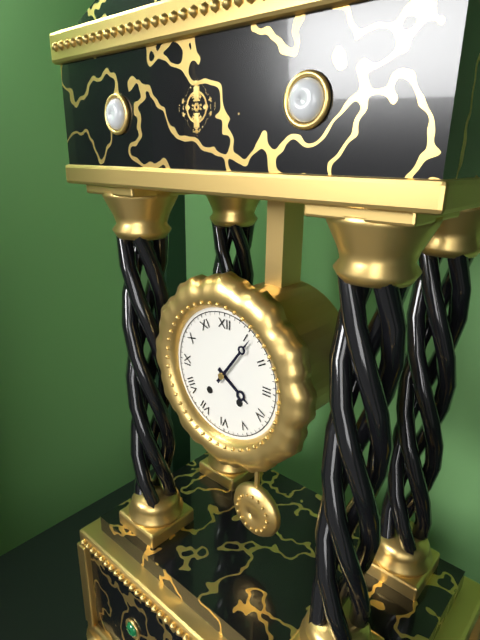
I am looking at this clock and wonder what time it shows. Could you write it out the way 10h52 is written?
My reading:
4h06
